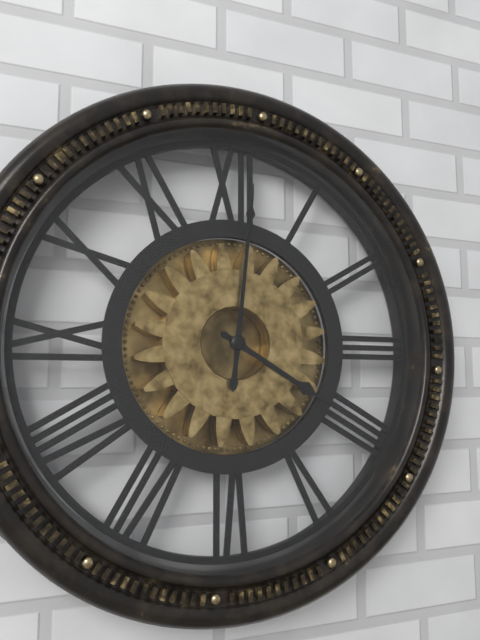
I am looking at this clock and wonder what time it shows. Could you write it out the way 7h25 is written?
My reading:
4h01
